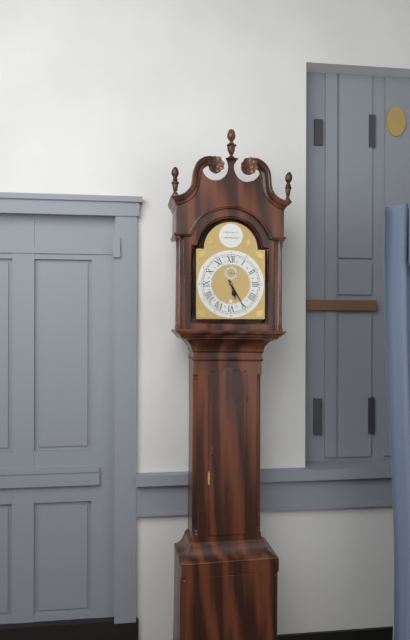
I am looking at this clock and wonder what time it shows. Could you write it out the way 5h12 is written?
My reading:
5h25
